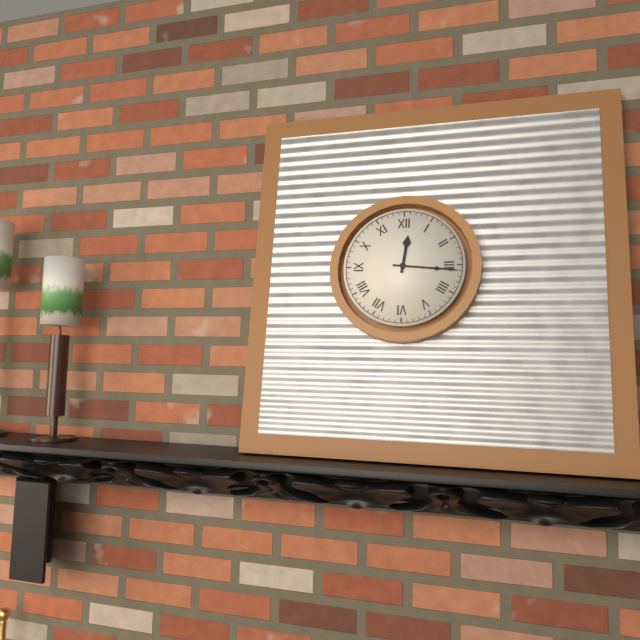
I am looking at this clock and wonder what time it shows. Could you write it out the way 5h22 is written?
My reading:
12h16
